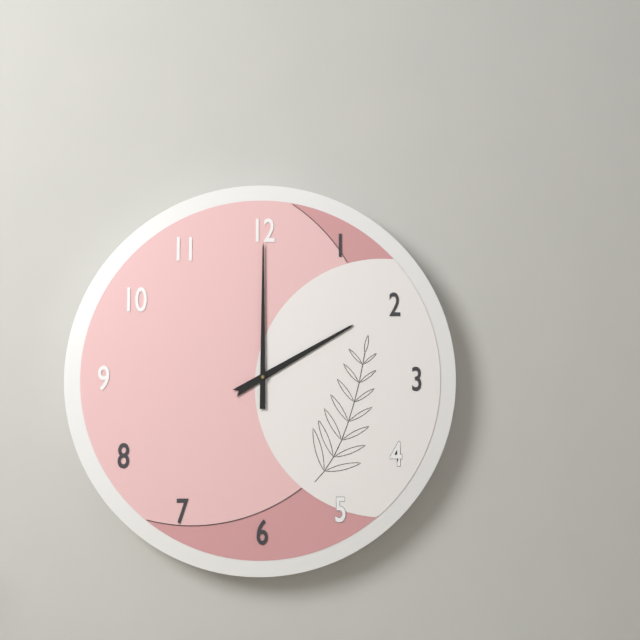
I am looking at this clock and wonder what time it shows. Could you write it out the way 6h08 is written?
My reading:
2h00
